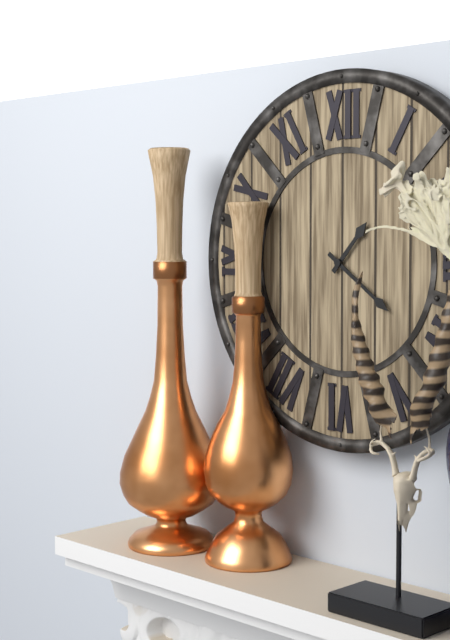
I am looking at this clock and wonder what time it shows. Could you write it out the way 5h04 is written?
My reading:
1h21
